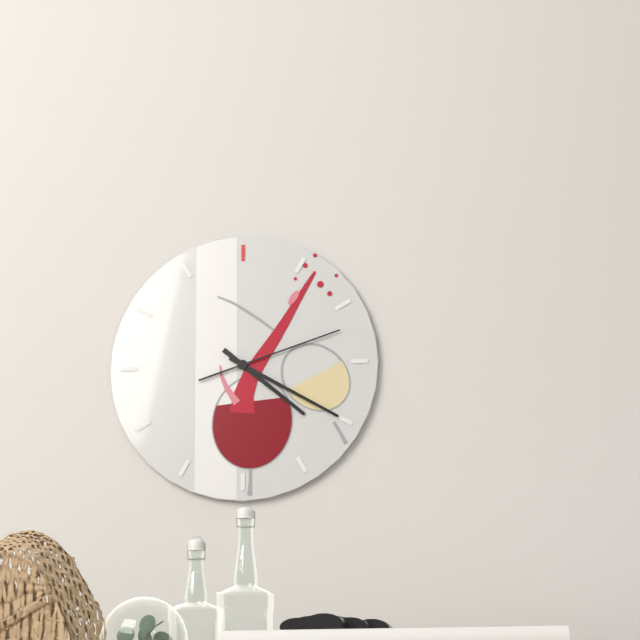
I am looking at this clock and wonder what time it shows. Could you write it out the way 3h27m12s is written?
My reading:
4h20m12s
